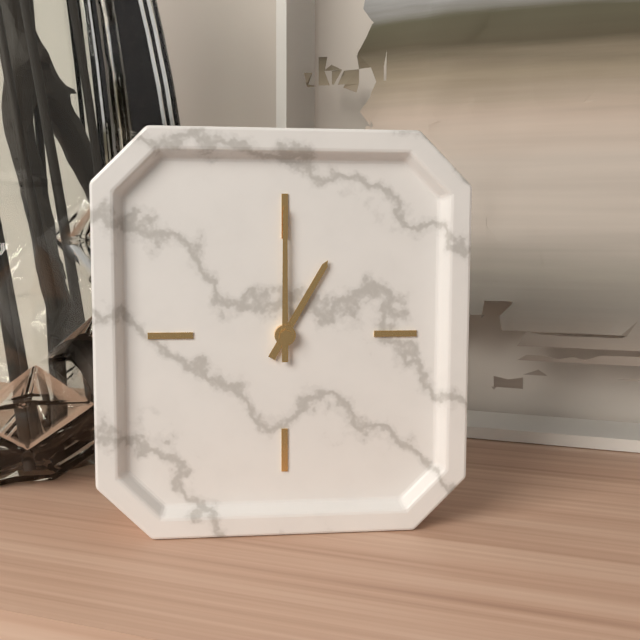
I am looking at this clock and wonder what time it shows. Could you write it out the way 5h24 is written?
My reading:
1h00
